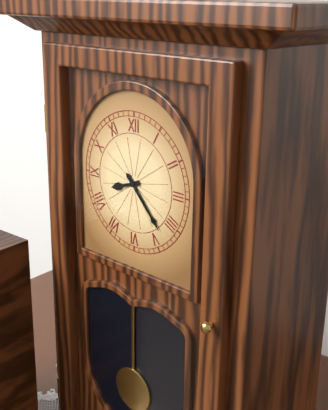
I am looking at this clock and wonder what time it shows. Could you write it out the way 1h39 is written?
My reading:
8h23
